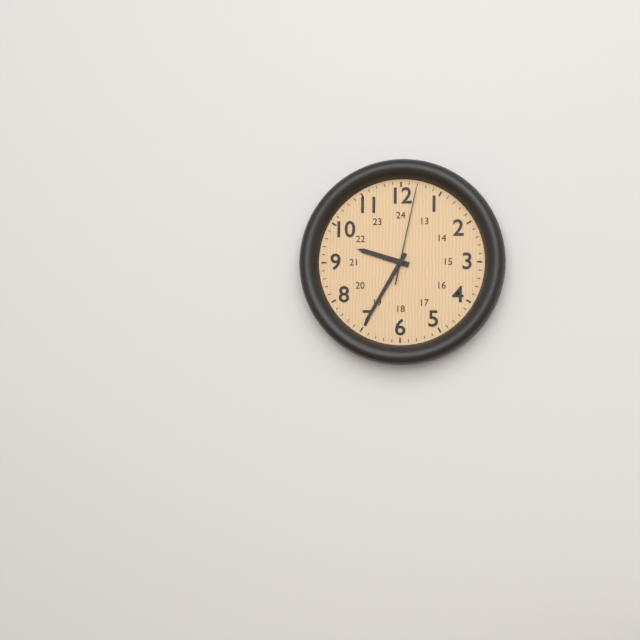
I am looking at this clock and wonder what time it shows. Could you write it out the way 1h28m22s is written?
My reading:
9h35m02s
